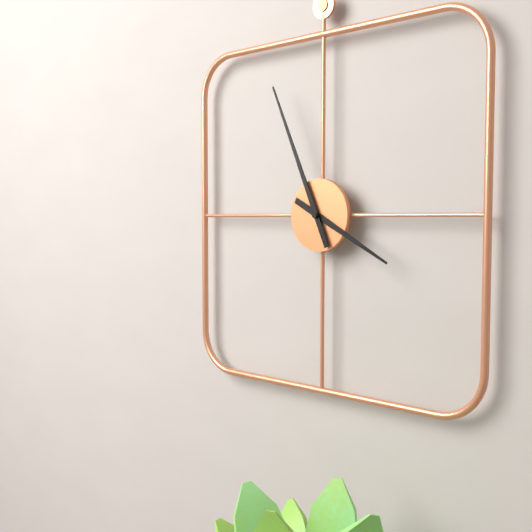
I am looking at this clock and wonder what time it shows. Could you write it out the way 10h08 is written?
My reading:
3h56
